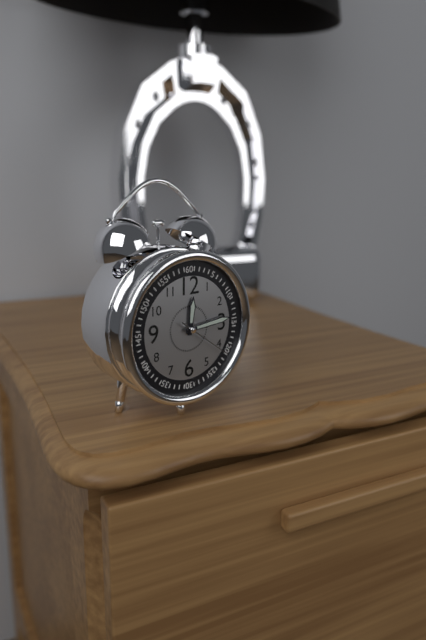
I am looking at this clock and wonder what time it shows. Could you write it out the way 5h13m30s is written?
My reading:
12h14m21s
